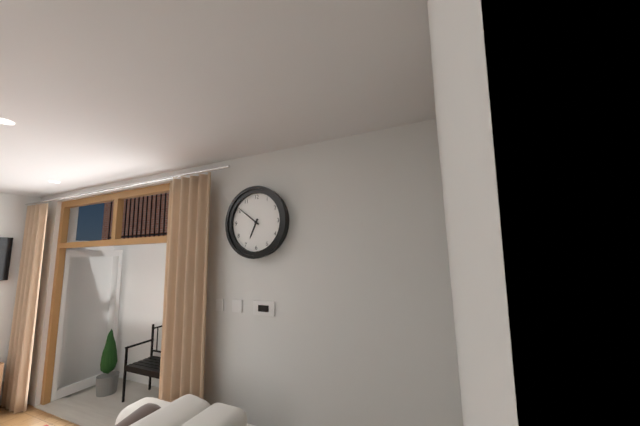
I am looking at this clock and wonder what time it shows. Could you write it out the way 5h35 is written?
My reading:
6h51
